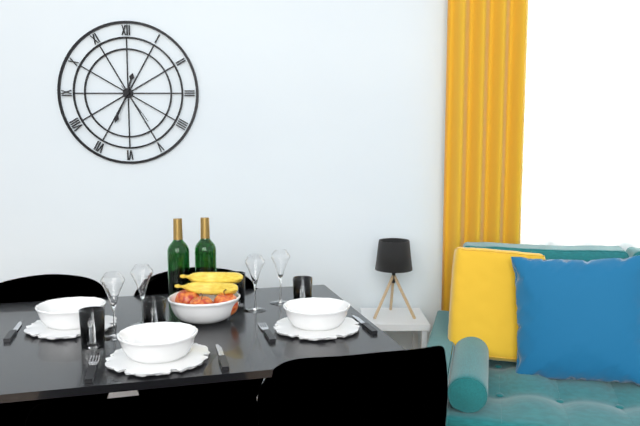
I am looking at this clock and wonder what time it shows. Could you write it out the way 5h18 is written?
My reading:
12h34
